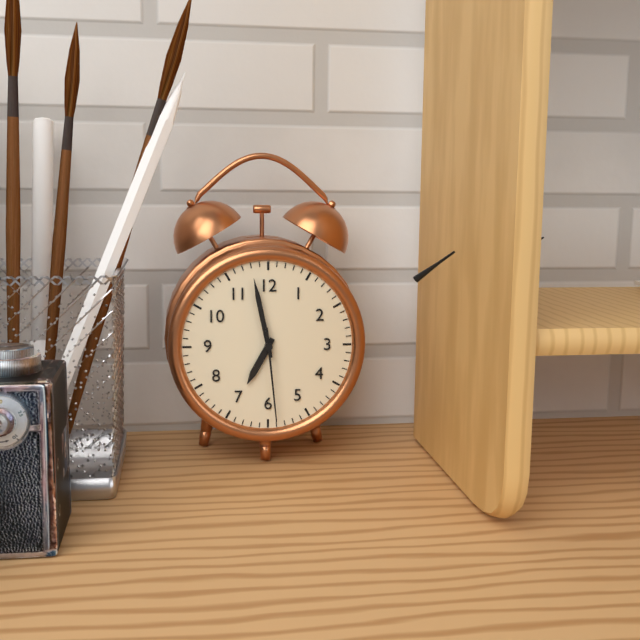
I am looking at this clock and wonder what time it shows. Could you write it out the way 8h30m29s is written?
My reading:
6h58m29s
